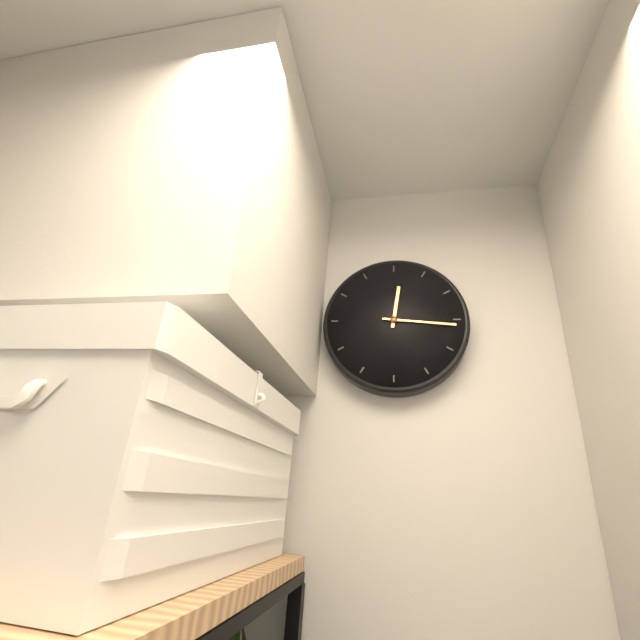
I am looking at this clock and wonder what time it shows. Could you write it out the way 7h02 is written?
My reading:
12h16
